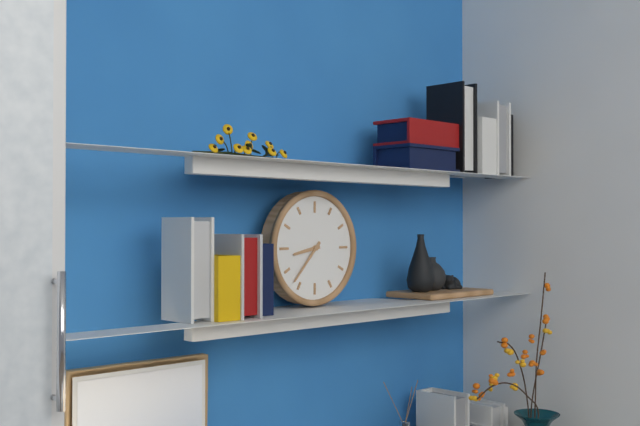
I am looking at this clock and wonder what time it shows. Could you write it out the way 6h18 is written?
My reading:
8h37
